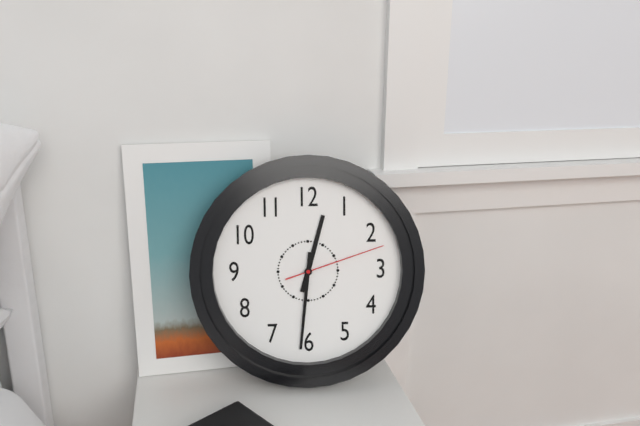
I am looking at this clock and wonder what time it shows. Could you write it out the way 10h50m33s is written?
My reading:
12h31m12s
